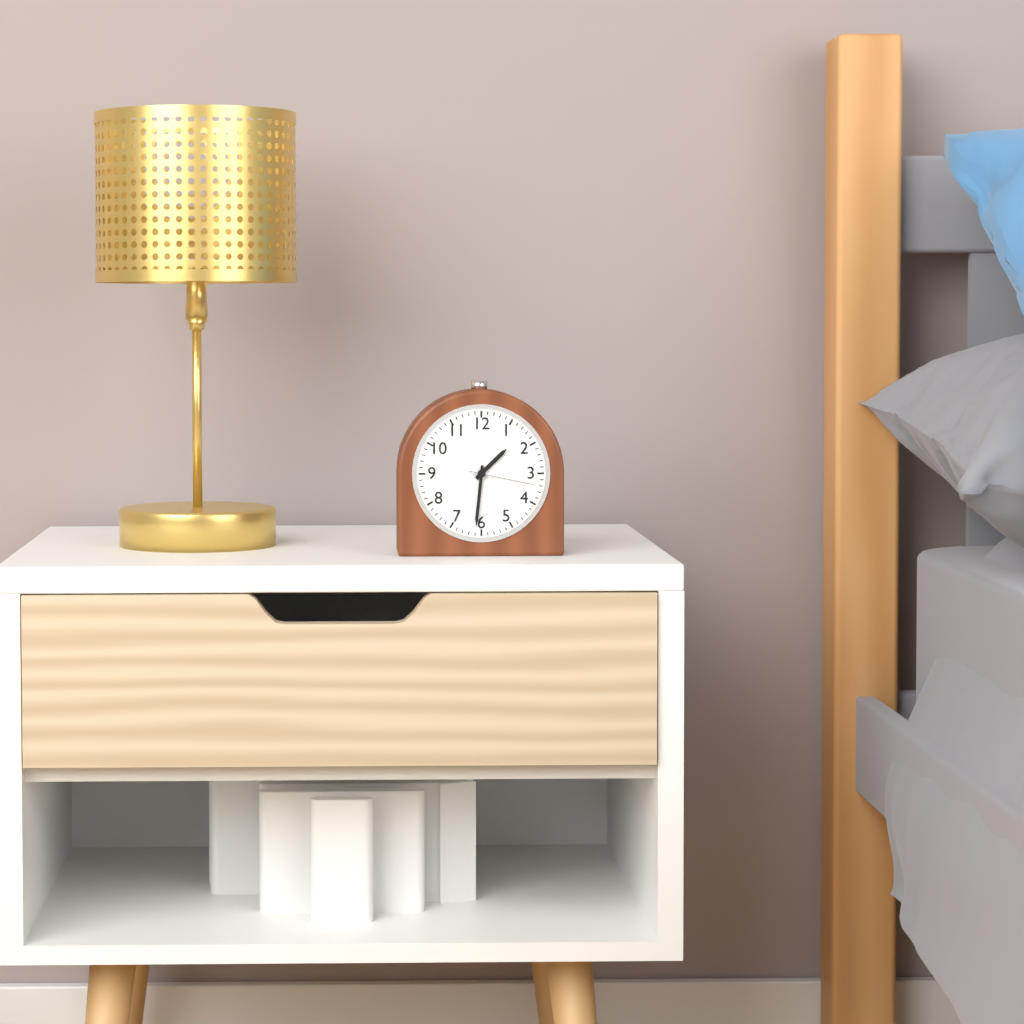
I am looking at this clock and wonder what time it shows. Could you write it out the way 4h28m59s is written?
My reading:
1h31m17s
